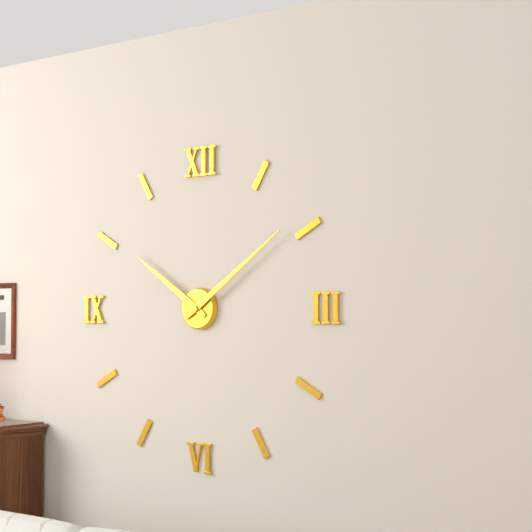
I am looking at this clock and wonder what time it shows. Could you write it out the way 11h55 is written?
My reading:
10h09
